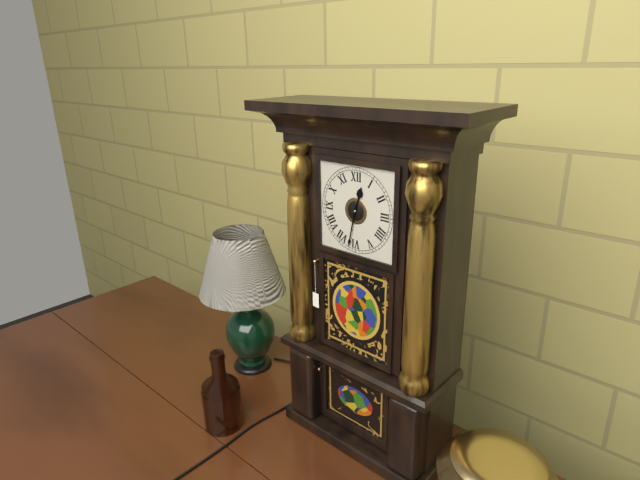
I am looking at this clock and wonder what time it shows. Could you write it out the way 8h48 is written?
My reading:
12h32
